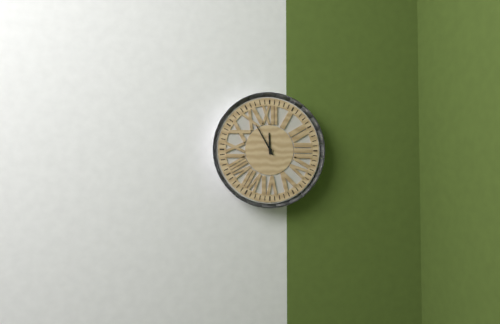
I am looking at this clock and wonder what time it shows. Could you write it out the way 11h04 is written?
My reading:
11h55
